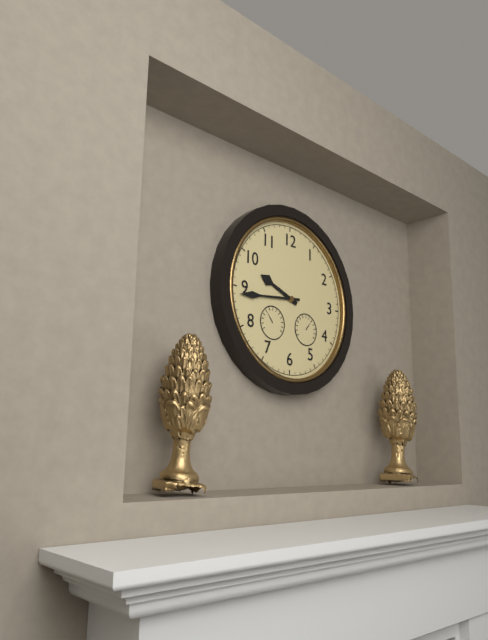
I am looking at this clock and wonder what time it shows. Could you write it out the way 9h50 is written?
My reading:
9h44
